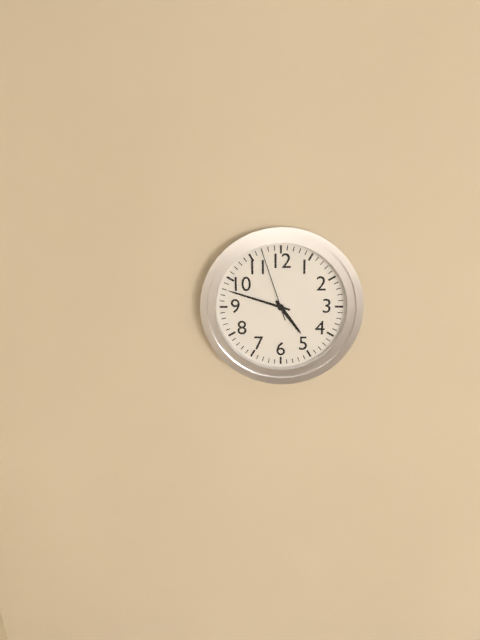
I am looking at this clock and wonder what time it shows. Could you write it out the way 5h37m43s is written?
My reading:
4h48m57s
